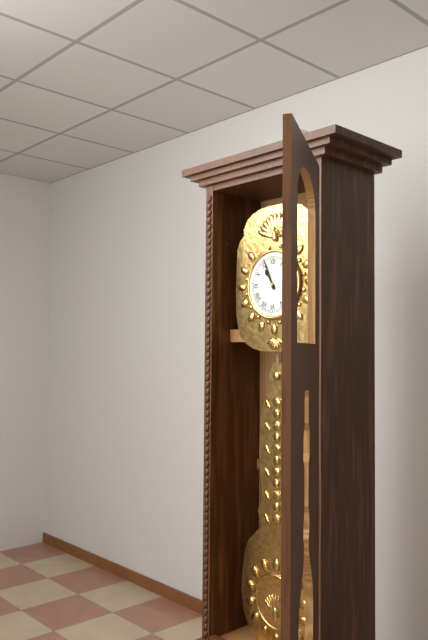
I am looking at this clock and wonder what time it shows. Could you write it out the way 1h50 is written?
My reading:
10h56
